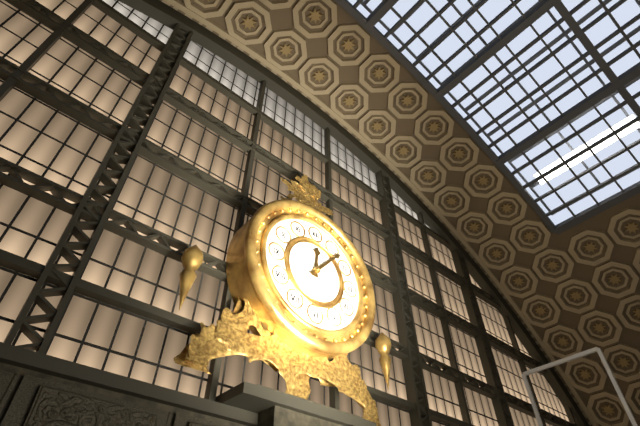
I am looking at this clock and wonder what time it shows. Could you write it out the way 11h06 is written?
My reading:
12h07
